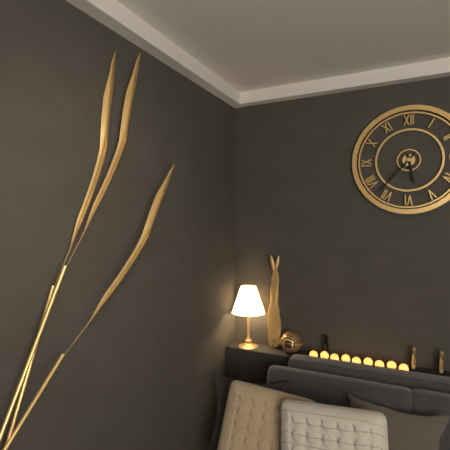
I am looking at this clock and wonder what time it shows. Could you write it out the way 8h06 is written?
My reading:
5h37
